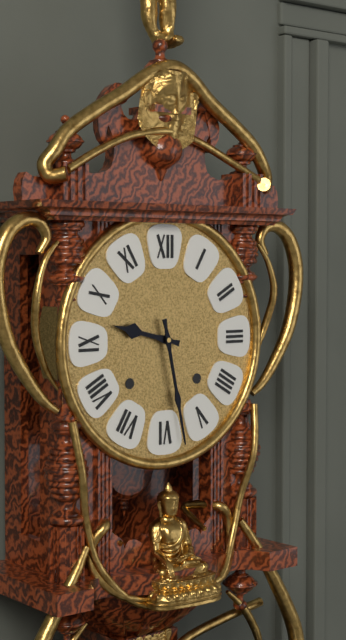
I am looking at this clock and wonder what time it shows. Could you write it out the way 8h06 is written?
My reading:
9h28
